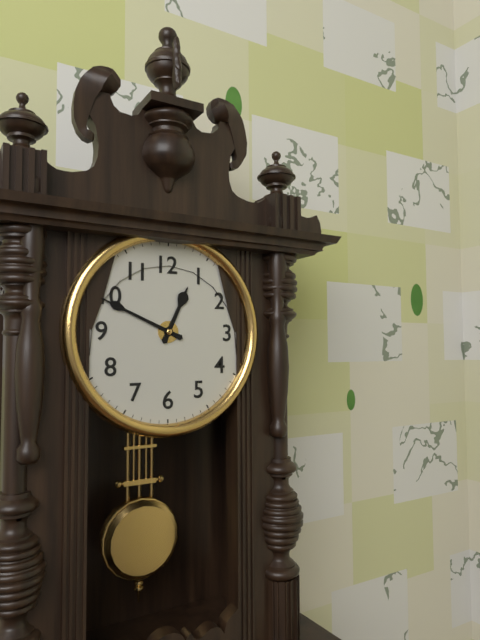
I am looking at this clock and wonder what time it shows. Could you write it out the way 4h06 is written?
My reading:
12h49
